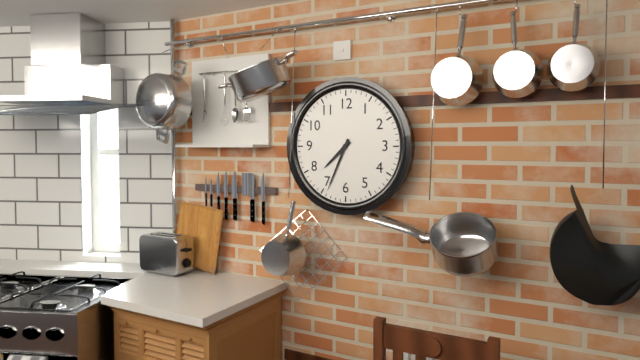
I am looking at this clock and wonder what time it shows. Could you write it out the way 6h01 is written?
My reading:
7h34
